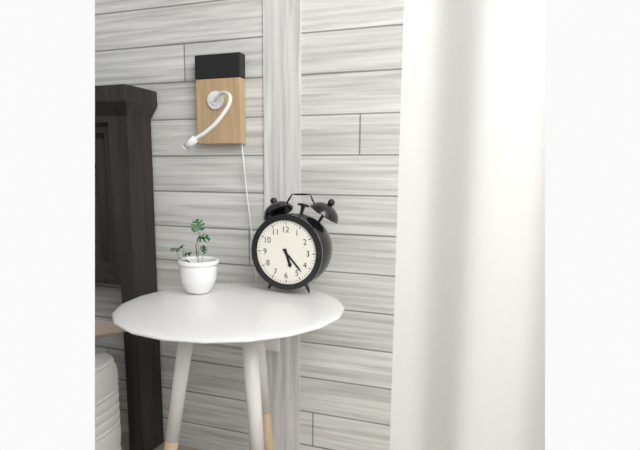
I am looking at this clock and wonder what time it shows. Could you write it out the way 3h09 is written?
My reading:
5h23
